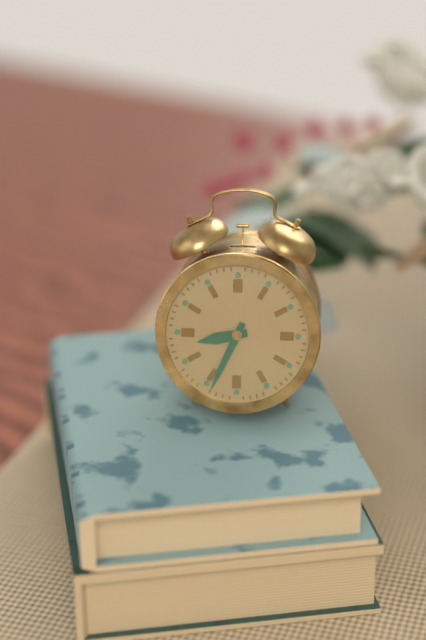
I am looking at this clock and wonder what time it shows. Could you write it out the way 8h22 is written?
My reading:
8h34
